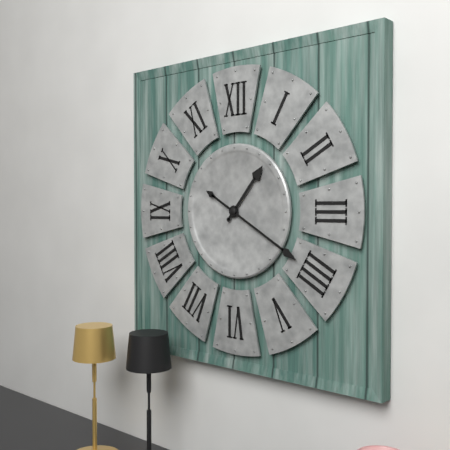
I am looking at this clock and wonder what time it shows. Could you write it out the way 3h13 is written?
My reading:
1h20
